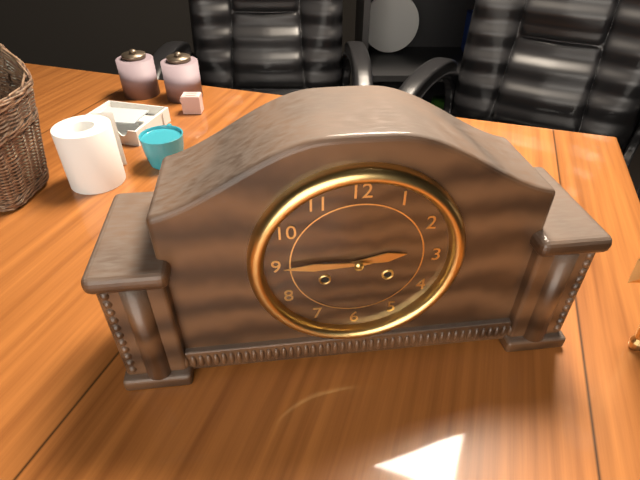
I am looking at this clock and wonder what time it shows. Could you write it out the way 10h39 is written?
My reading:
2h45
